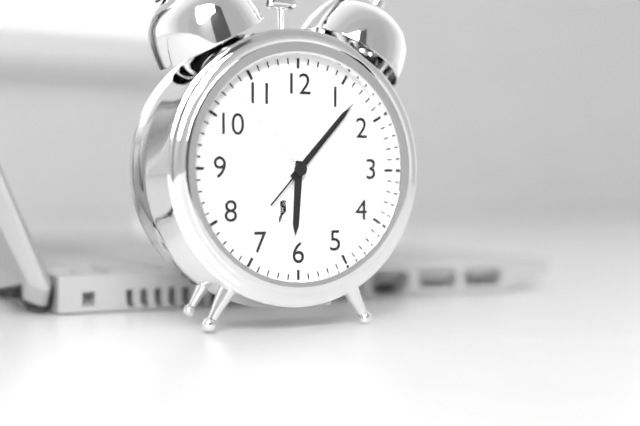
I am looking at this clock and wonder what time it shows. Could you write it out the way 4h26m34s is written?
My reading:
6h07m07s
